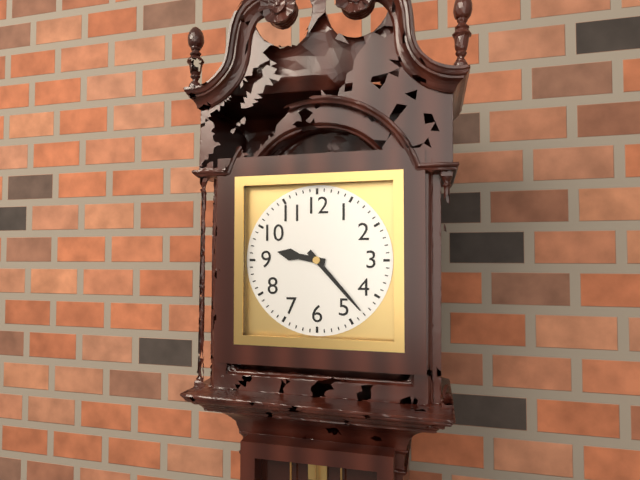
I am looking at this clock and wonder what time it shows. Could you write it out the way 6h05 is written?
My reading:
9h23
